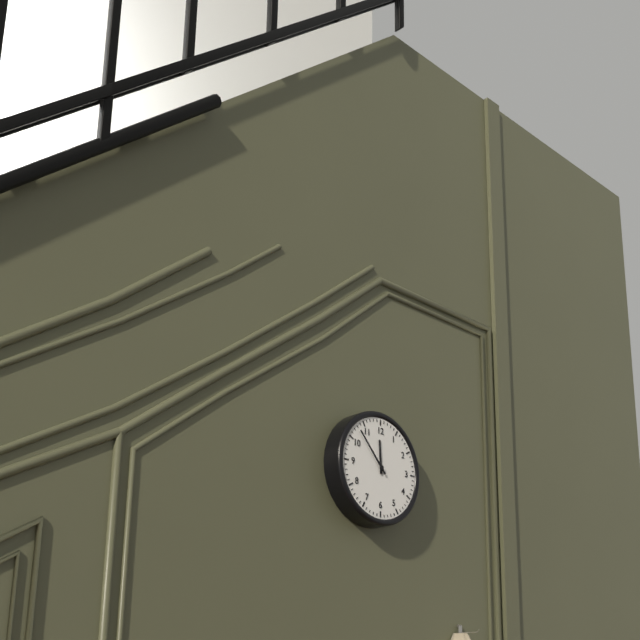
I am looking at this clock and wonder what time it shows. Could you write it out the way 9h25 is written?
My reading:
11h53
